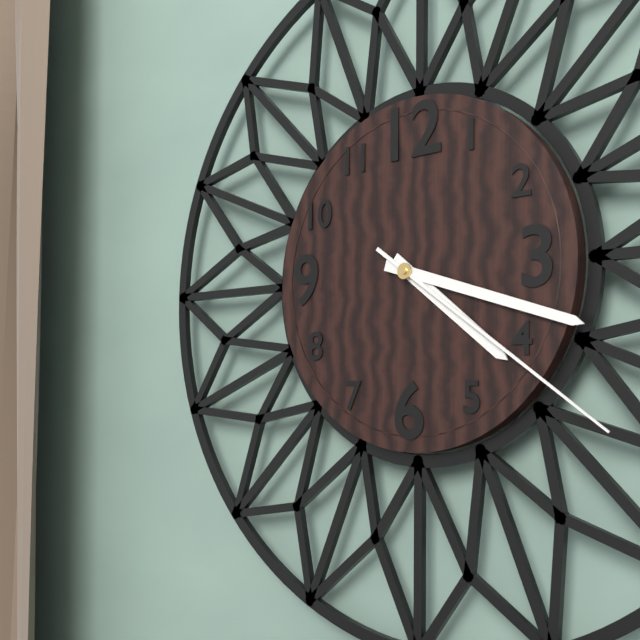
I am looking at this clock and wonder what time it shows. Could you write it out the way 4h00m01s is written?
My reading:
4h18m21s
